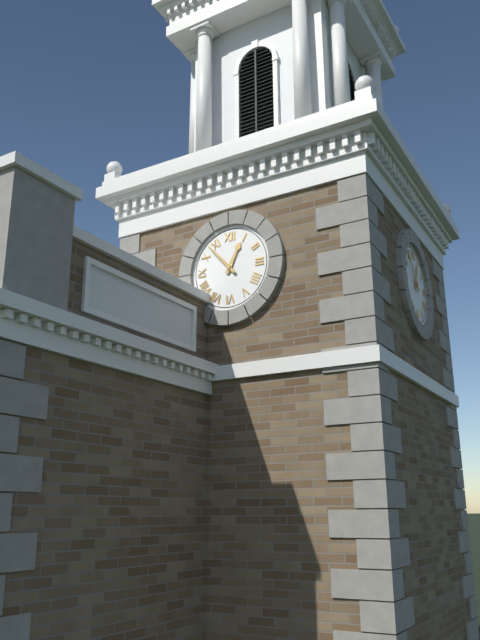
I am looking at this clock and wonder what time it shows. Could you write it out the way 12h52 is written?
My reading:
12h53
